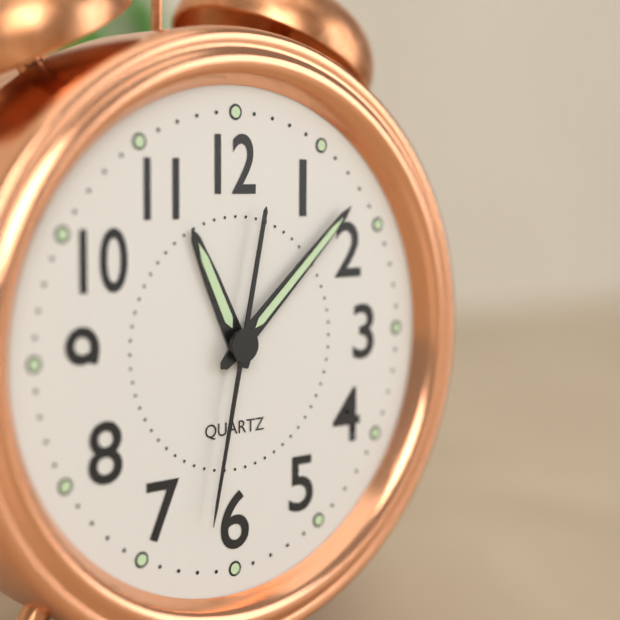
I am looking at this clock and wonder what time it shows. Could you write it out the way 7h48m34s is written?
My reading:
11h08m32s
